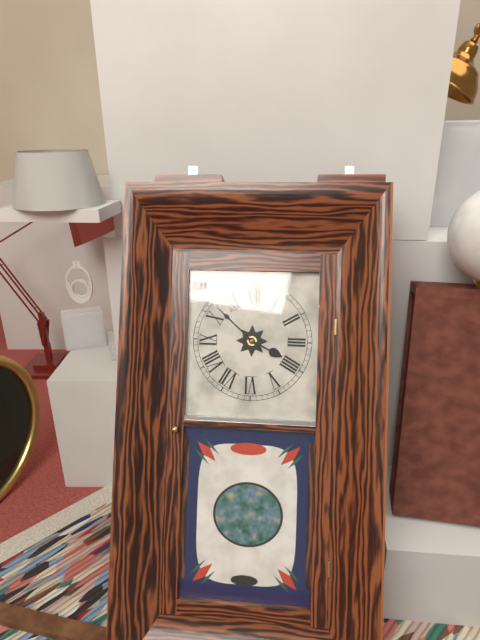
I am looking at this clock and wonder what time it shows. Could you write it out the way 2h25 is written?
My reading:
3h52
